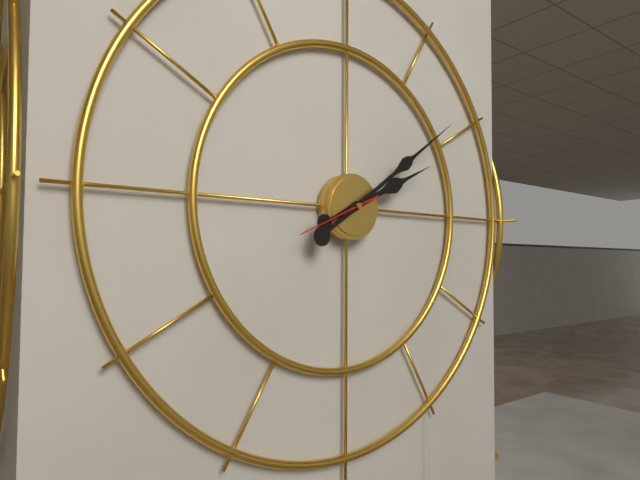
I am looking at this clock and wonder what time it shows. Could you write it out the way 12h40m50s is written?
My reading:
2h09m41s
